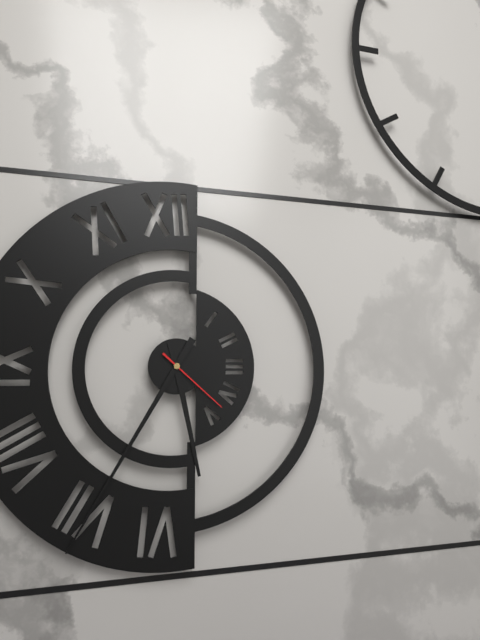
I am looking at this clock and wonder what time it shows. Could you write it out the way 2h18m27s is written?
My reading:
5h35m22s
